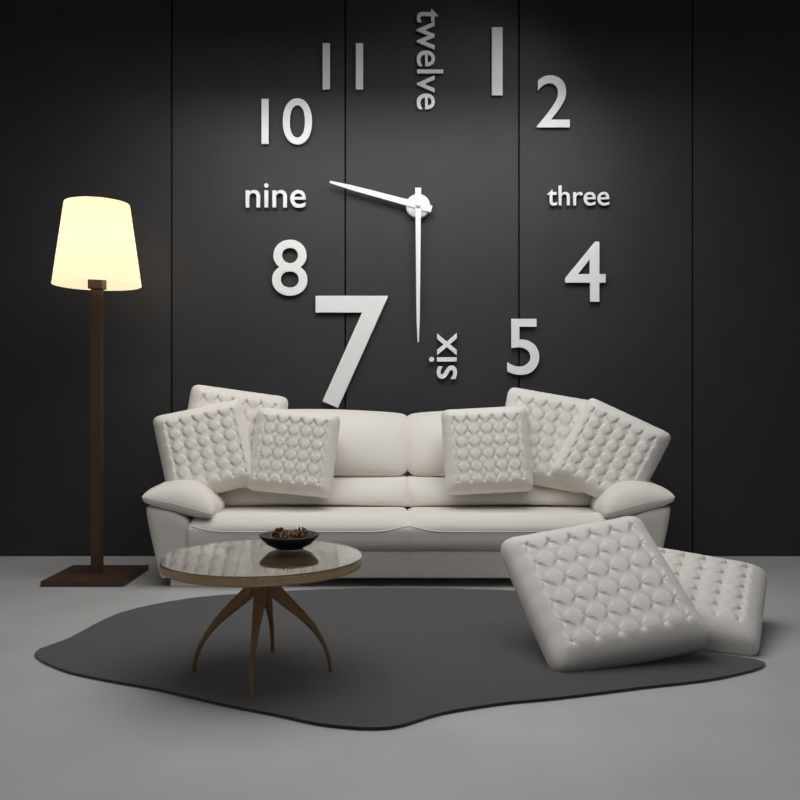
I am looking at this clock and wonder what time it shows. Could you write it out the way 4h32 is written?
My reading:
9h30
